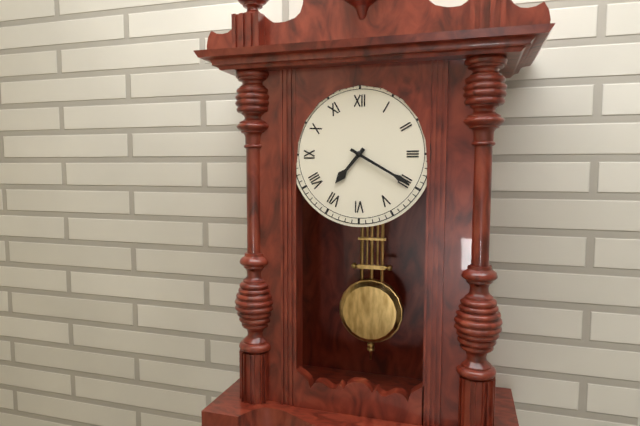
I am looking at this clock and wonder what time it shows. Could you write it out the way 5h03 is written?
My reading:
7h20
